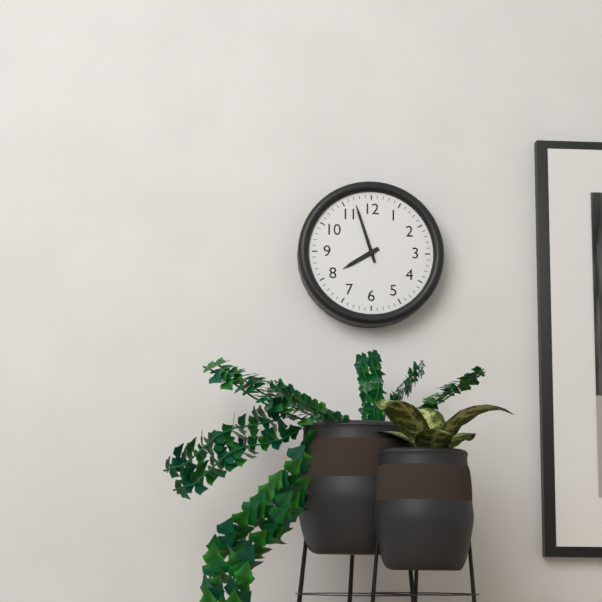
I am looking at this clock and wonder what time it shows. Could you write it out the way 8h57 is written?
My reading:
7h57
